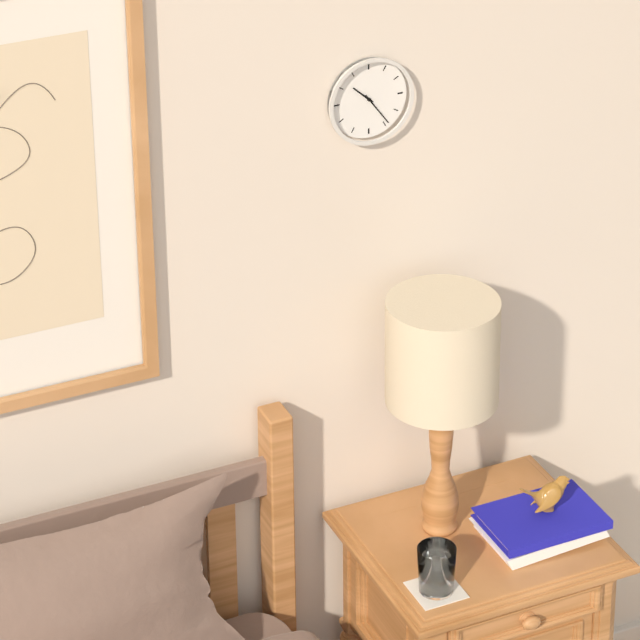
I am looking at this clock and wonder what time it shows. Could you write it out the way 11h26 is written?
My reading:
10h24
